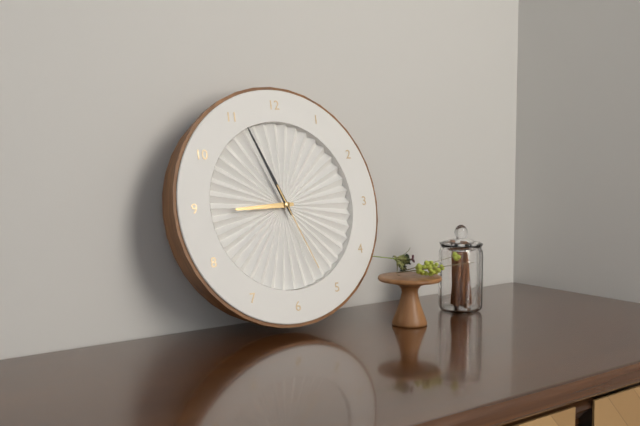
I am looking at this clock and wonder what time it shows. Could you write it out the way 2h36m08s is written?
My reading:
8h56m26s
